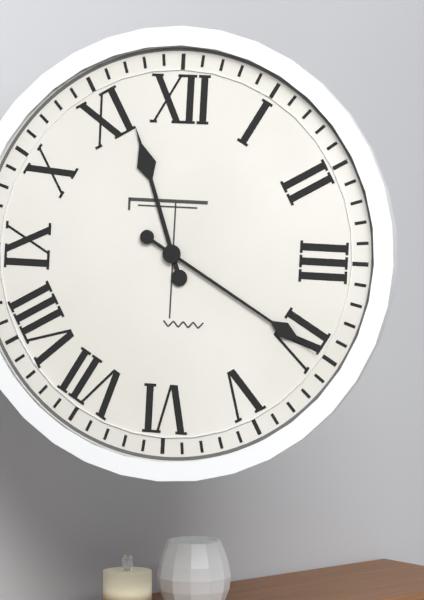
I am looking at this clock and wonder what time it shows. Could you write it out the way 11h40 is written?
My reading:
11h20
